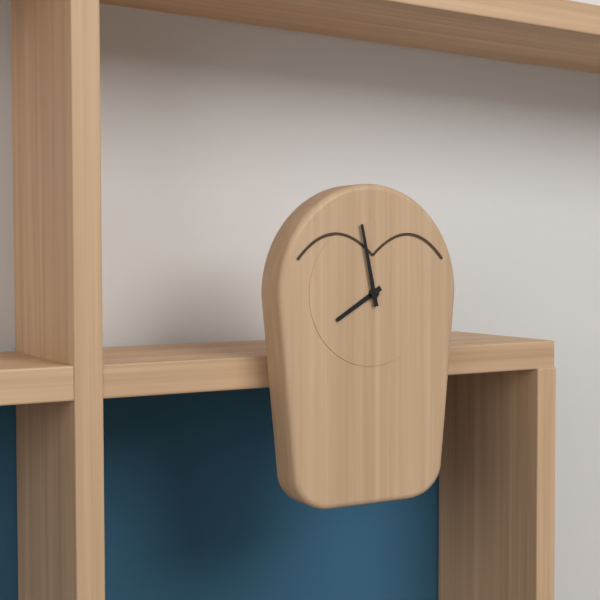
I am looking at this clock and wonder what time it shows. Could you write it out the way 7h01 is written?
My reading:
7h58
